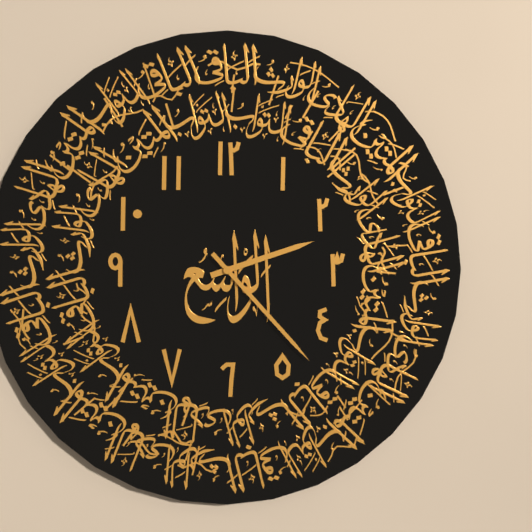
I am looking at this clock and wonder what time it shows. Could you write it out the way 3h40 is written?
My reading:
2h23
